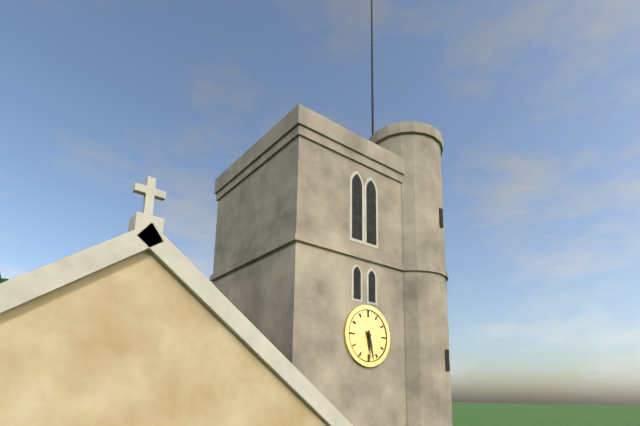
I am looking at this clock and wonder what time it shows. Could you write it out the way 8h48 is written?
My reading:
5h28
